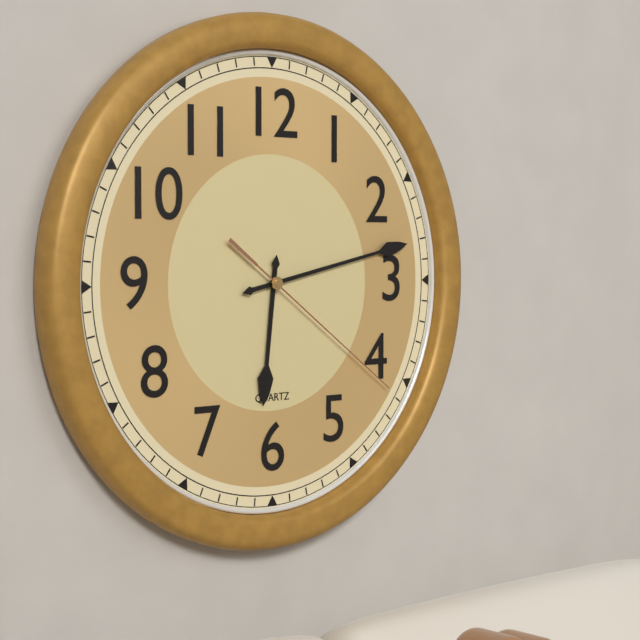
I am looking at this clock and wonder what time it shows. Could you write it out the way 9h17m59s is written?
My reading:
6h13m21s
